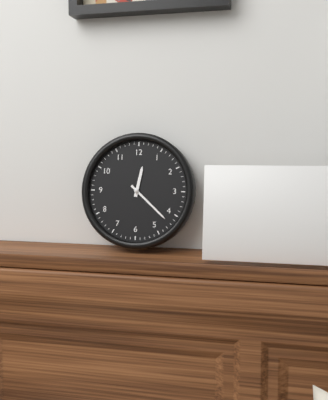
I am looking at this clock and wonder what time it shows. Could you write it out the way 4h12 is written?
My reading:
12h22
